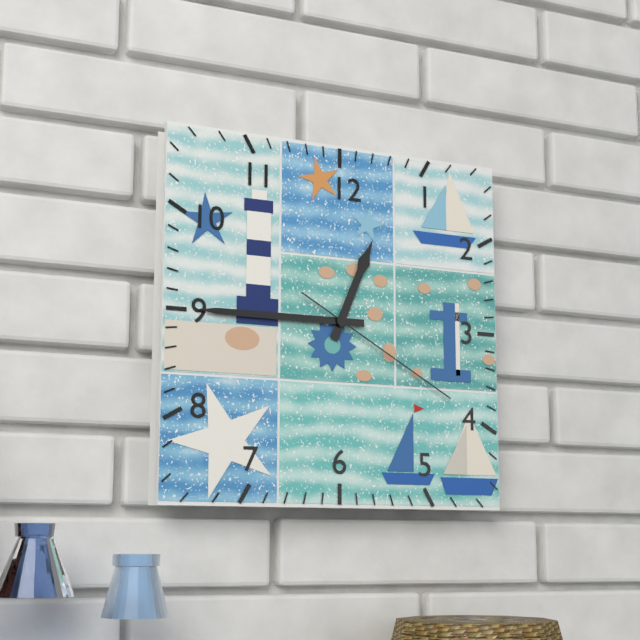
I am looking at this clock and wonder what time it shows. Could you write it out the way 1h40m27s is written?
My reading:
12h45m20s
